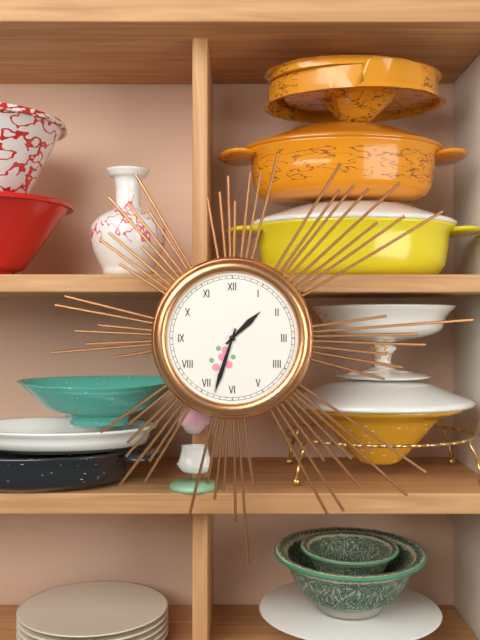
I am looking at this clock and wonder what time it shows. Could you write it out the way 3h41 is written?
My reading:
1h33
